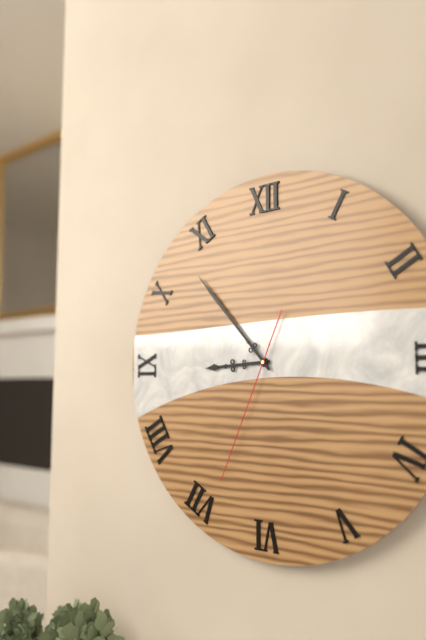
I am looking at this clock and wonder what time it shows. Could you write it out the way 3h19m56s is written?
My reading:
8h53m34s
